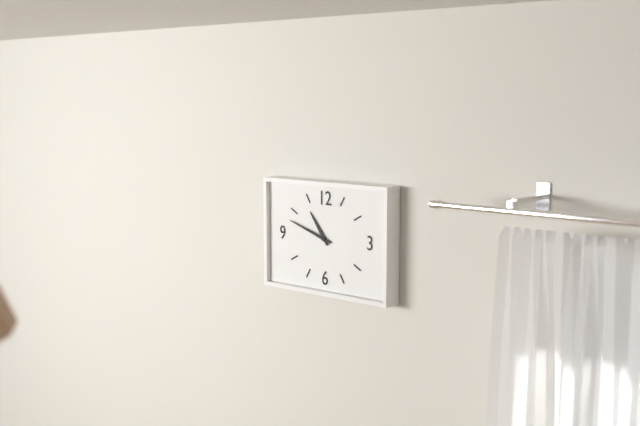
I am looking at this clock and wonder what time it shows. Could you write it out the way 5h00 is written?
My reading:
10h48
